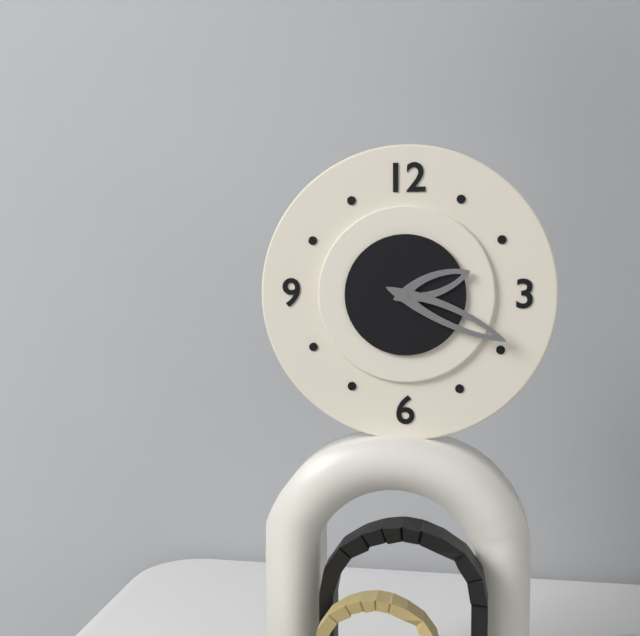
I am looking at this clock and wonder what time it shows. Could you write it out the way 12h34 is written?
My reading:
2h19
